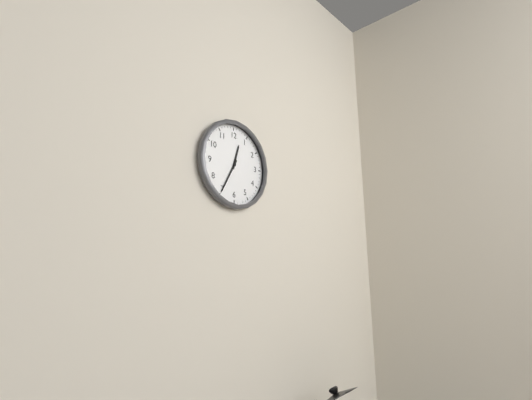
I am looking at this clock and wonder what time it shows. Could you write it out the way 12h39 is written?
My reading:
12h35
